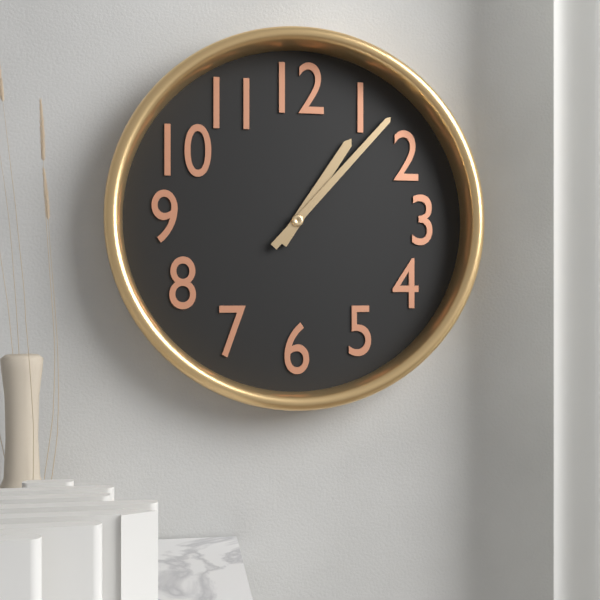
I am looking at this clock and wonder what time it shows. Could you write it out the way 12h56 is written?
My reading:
1h07
